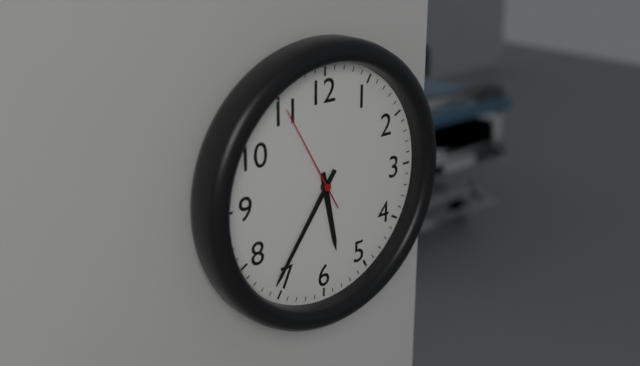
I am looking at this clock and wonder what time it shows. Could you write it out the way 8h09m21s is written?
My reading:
5h36m55s
